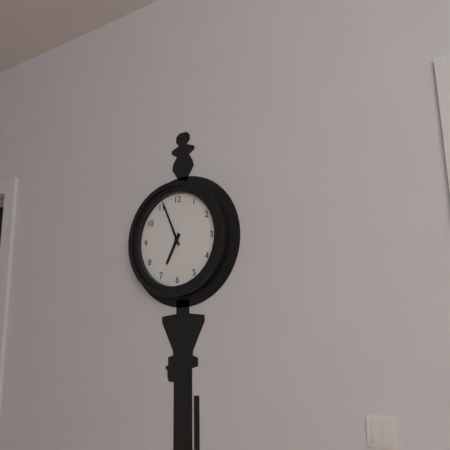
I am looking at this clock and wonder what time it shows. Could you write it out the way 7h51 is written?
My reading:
6h56
